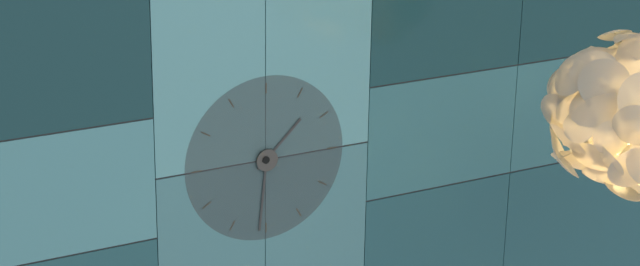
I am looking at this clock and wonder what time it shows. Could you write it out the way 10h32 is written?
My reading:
1h31
